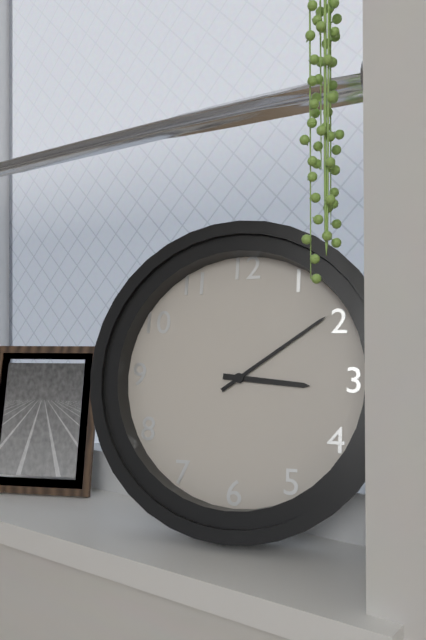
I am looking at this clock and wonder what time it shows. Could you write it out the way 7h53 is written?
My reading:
3h09
